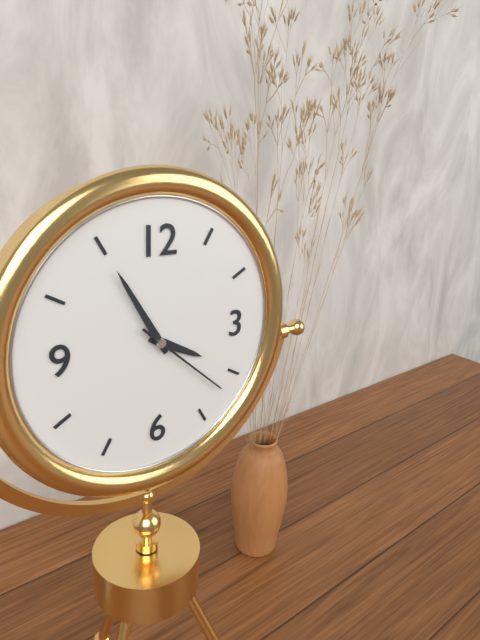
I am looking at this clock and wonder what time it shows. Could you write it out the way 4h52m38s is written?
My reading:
3h55m22s
